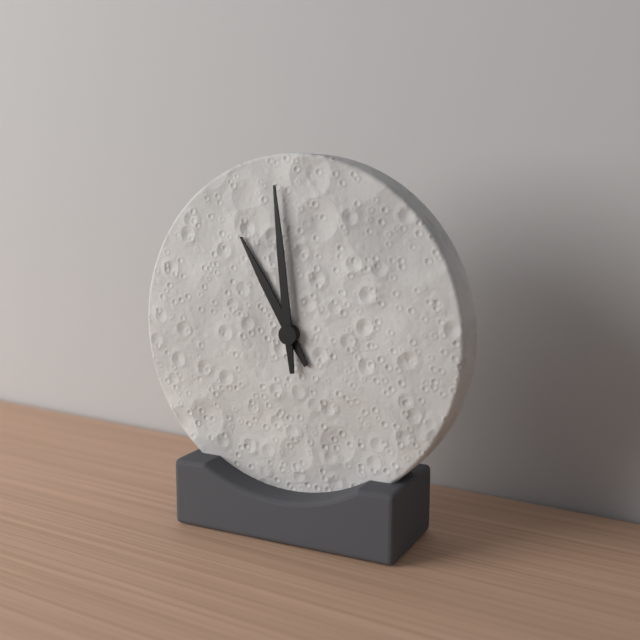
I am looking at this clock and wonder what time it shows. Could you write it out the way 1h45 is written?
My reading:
10h59
